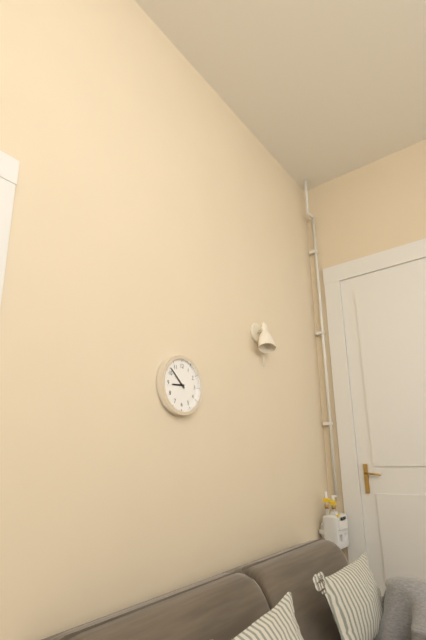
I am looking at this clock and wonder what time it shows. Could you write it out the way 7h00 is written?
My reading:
8h52
